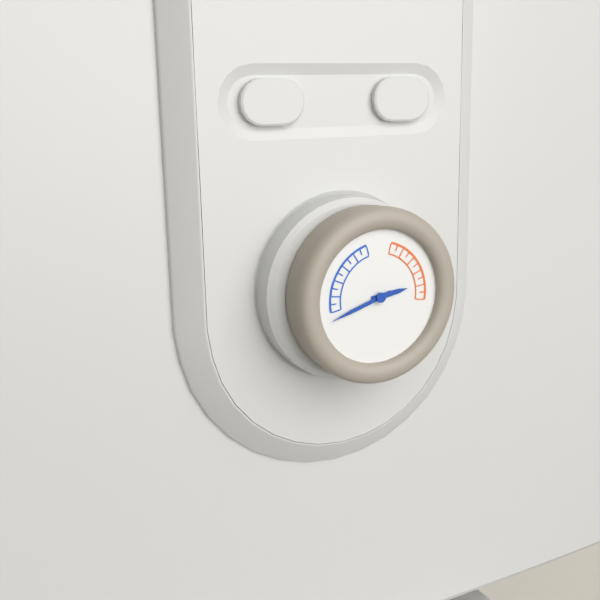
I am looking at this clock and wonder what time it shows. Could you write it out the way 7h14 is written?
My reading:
2h42
